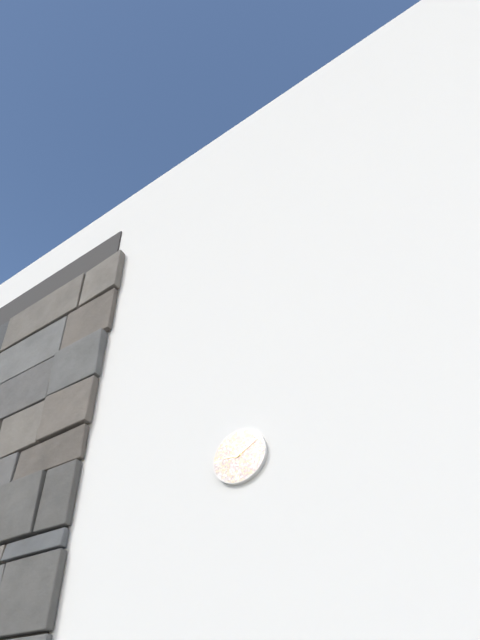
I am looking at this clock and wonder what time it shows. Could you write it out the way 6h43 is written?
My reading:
9h10
